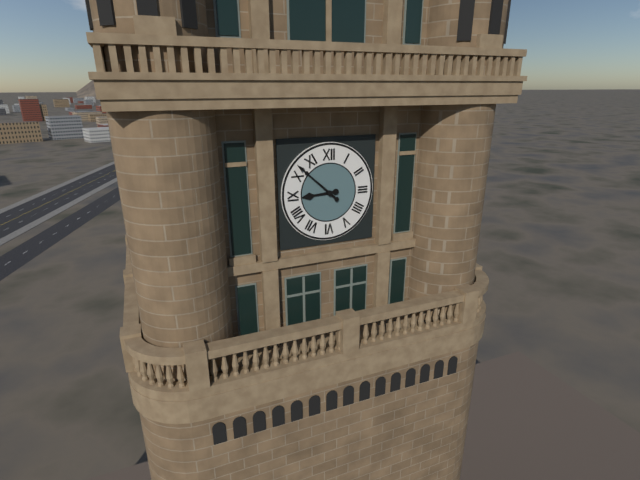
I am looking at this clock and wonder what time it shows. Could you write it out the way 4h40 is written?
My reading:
8h52
